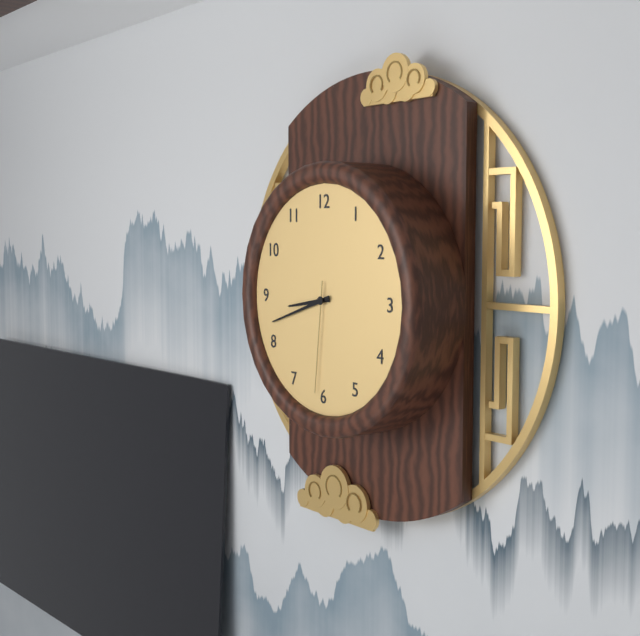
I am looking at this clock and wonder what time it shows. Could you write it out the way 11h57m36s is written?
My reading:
8h42m31s
